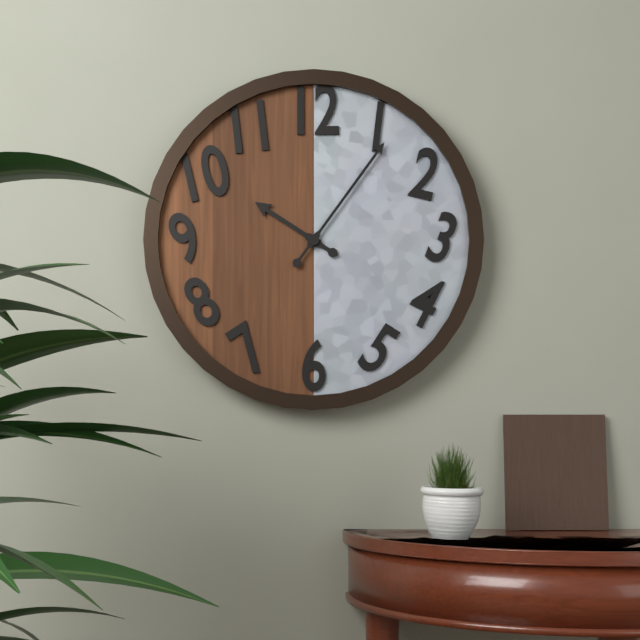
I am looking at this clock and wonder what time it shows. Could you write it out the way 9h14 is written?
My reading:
10h06
